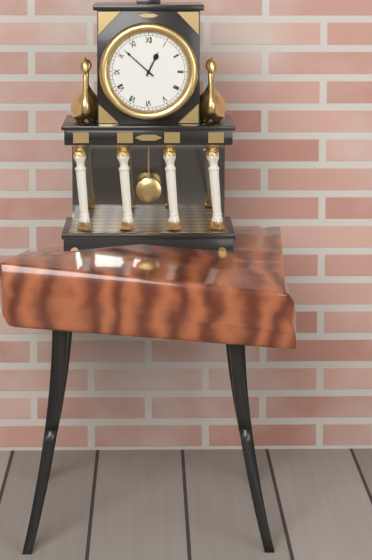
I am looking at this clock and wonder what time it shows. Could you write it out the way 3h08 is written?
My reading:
12h52
